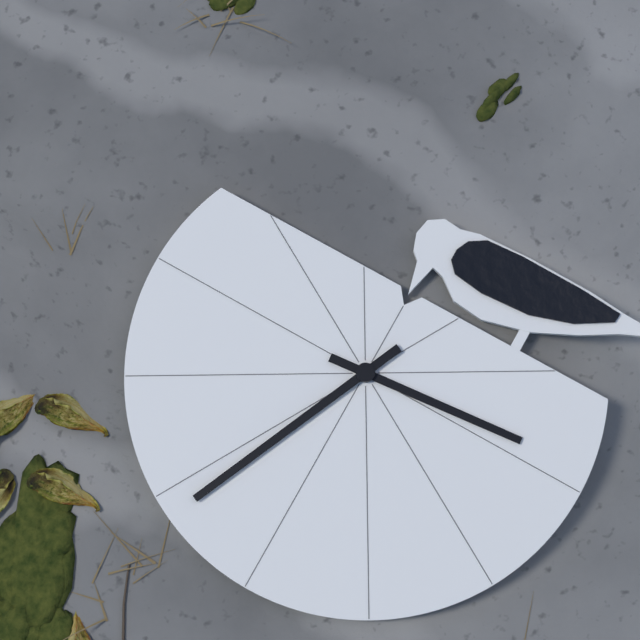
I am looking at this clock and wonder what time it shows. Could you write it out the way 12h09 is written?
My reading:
5h49
